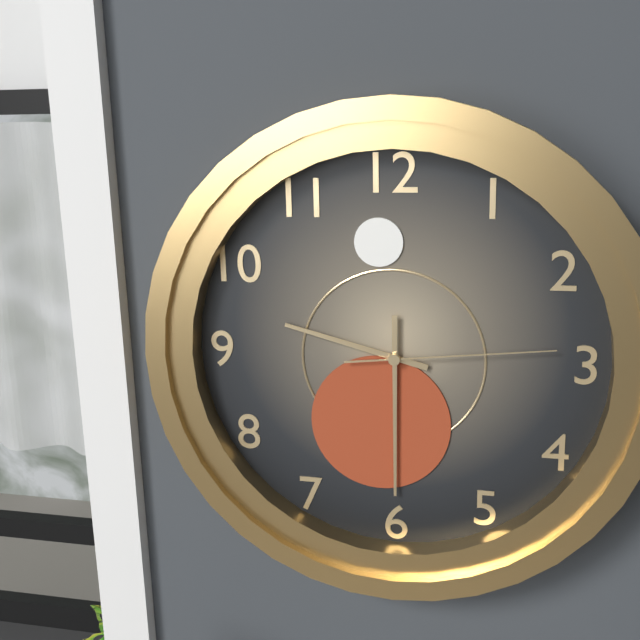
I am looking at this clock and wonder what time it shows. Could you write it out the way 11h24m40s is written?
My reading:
9h30m14s
